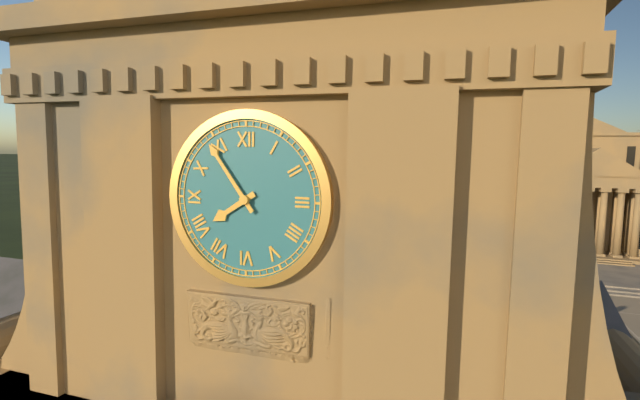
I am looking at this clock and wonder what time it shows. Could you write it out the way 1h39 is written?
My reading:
7h54
